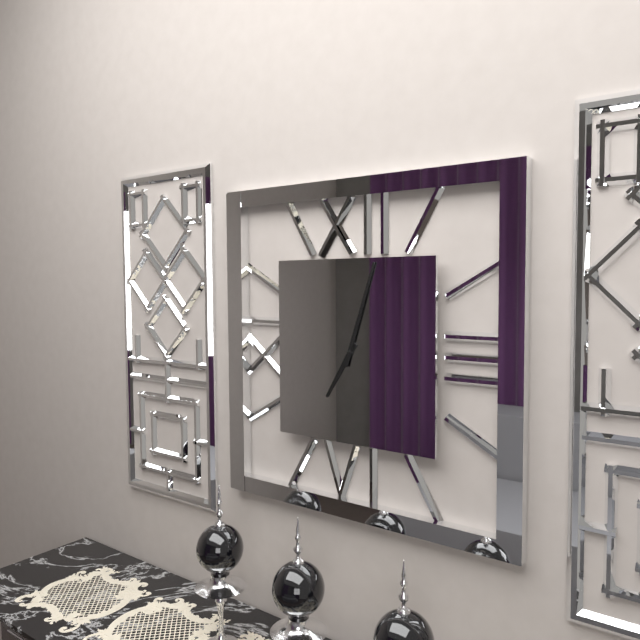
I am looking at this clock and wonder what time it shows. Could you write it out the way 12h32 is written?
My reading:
7h03
